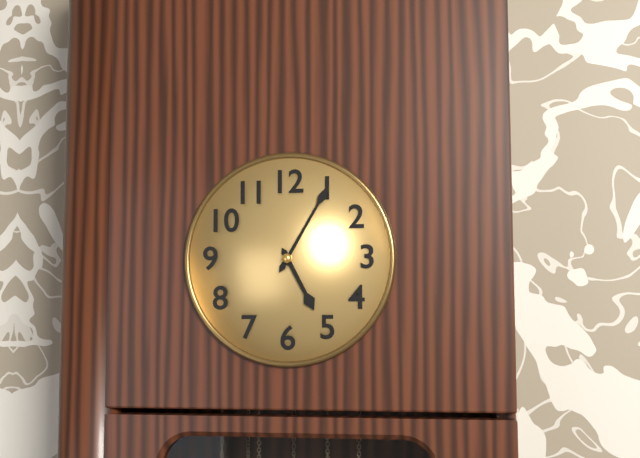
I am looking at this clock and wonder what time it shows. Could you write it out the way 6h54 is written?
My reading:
5h05
